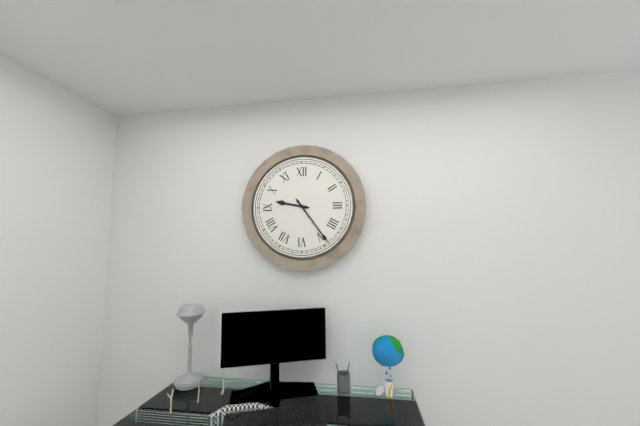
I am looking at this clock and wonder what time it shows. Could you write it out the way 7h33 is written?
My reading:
9h24
